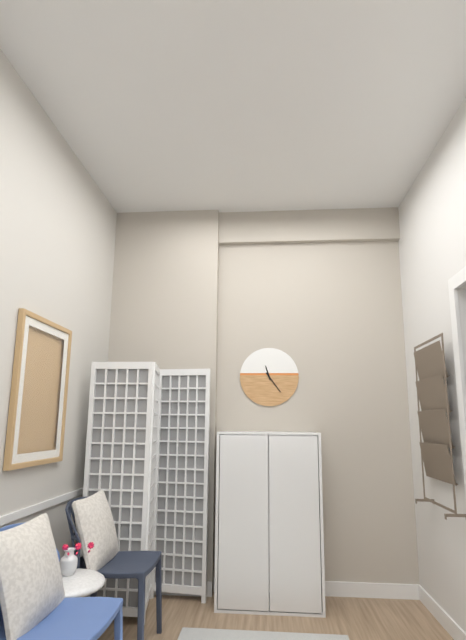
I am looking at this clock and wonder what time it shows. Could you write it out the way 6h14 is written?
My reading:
11h24
